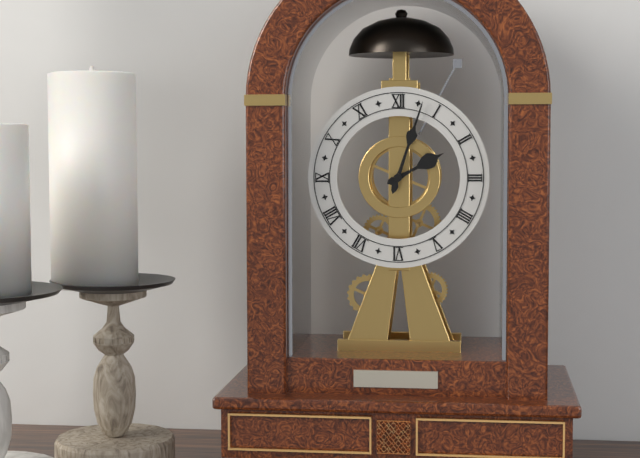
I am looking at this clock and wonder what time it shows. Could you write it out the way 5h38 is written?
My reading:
2h03
